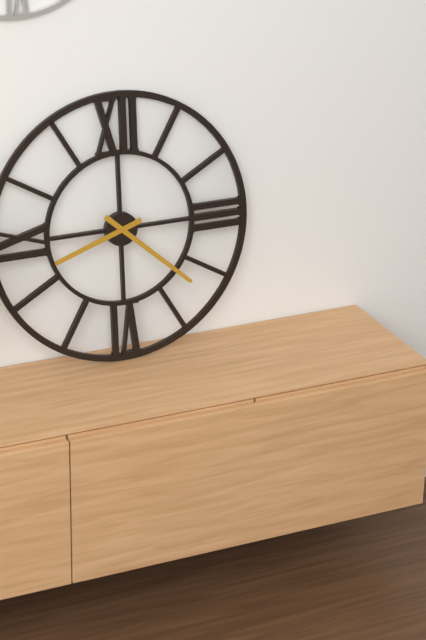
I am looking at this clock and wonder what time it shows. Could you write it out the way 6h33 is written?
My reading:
8h22
